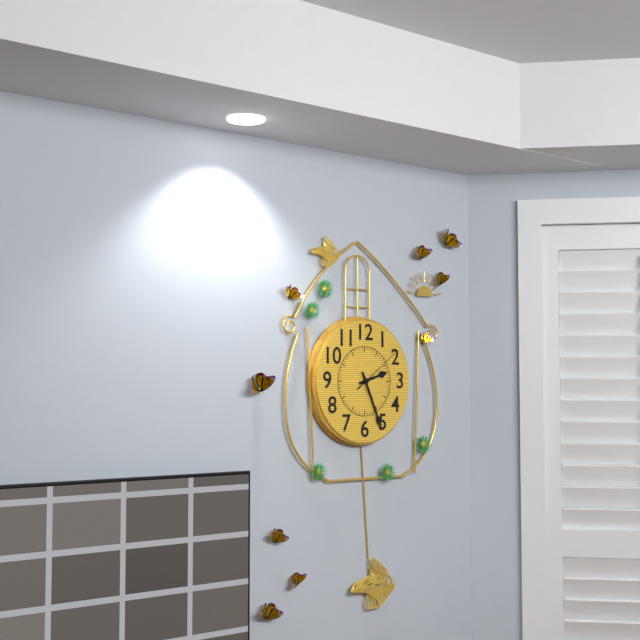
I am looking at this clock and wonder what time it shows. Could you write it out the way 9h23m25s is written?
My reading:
2h26m09s
